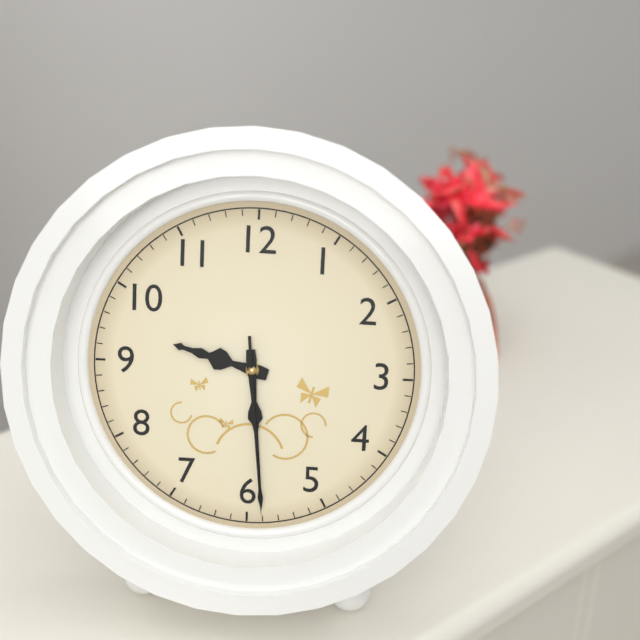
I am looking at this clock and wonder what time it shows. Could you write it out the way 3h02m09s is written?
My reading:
9h29m29s
